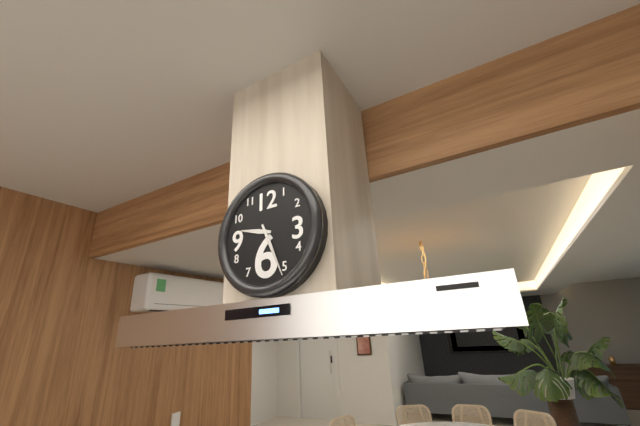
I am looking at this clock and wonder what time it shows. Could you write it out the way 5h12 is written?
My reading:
9h26
